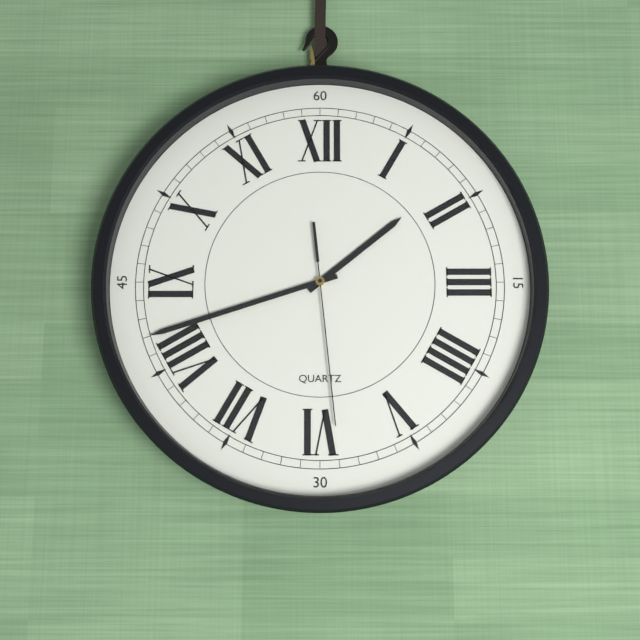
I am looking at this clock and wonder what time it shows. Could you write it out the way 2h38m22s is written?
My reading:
1h42m29s
